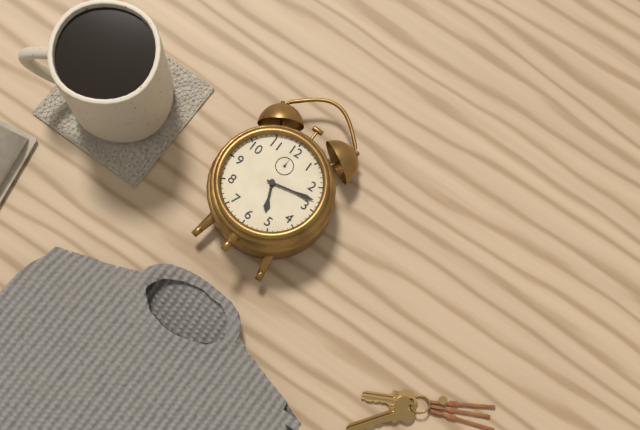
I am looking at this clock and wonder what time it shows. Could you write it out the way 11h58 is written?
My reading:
5h13
